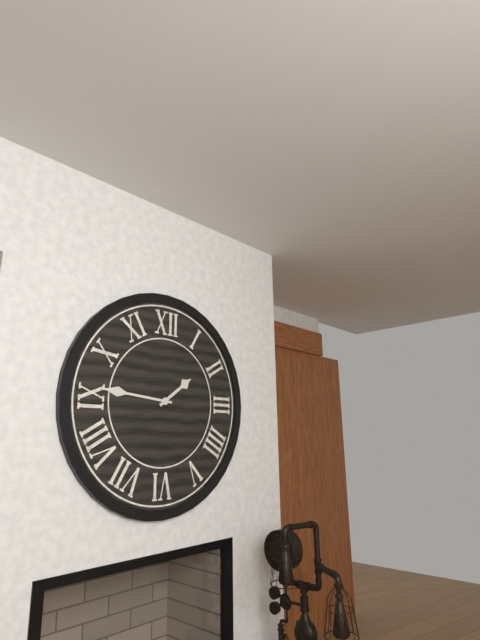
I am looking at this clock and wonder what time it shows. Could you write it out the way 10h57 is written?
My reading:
1h46
